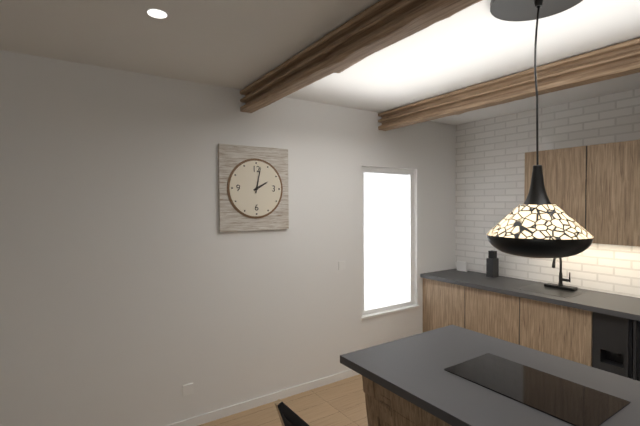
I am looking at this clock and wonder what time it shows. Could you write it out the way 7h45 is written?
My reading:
2h02
